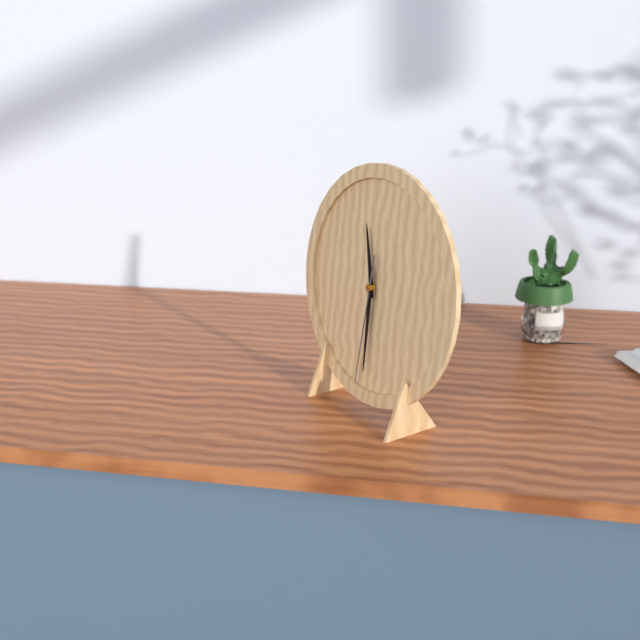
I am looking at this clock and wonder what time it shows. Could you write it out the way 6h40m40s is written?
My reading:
11h30m31s
